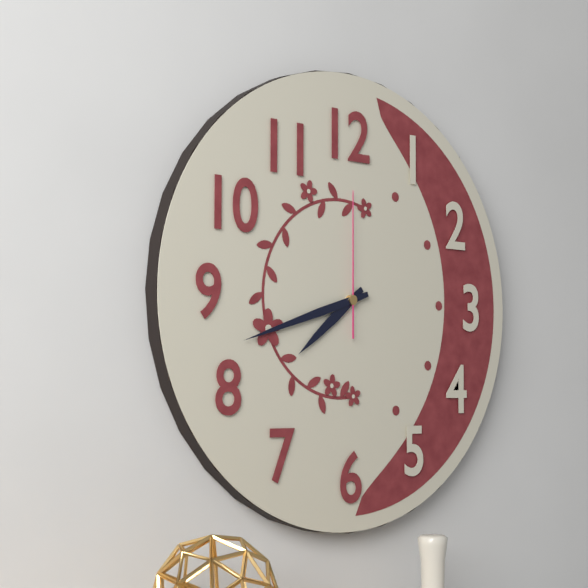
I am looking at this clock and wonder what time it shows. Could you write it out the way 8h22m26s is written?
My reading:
7h42m00s
